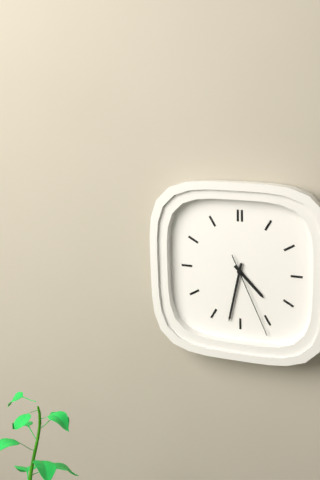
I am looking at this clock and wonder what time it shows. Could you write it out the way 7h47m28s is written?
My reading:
4h32m26s
